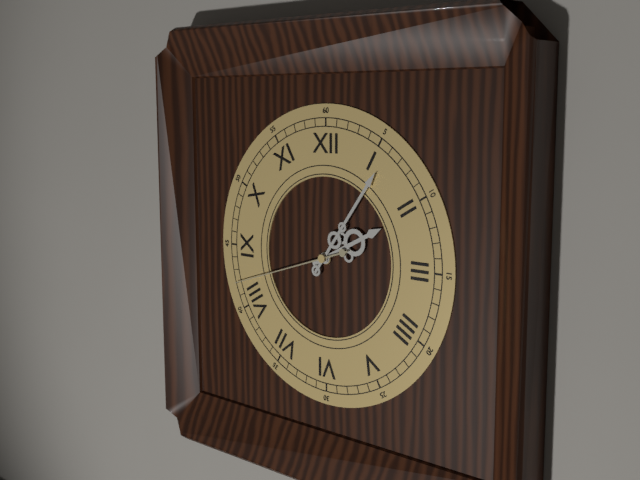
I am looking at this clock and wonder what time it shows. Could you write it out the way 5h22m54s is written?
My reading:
2h06m42s
